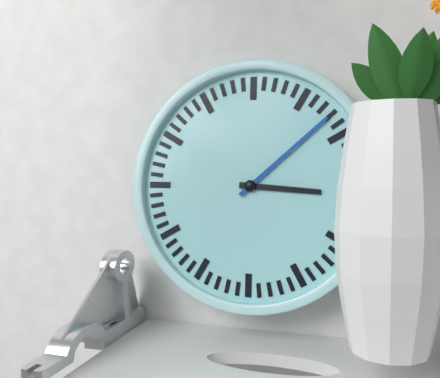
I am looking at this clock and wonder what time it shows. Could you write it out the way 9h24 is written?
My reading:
3h08
